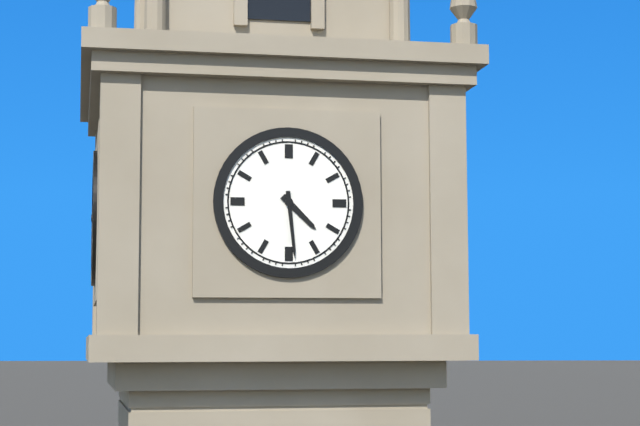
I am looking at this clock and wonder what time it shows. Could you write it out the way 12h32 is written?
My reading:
4h29
